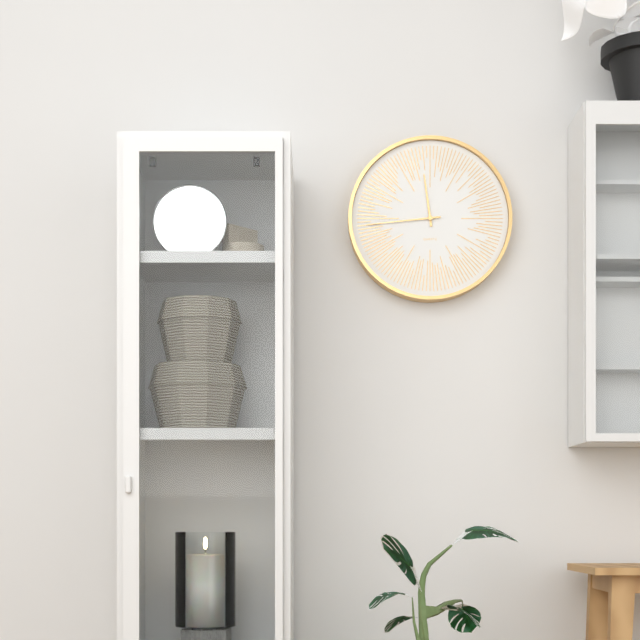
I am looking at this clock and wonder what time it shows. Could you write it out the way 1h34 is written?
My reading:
11h44
